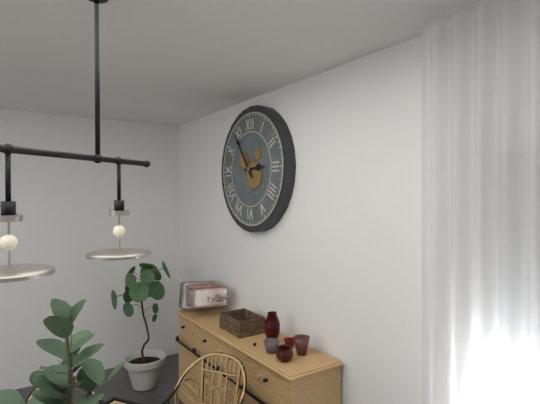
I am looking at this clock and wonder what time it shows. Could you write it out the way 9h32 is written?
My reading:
2h54
